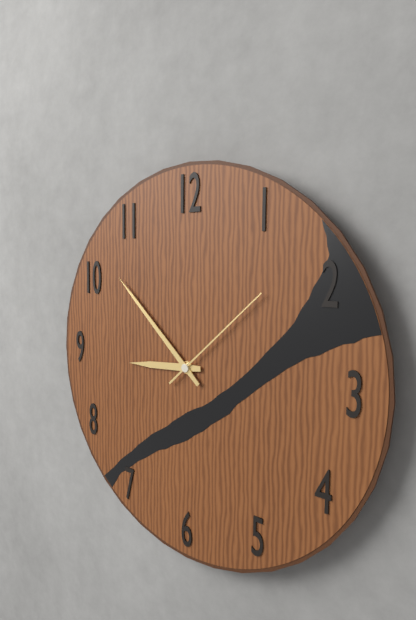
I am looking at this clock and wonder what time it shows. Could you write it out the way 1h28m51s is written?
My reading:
8h52m08s
